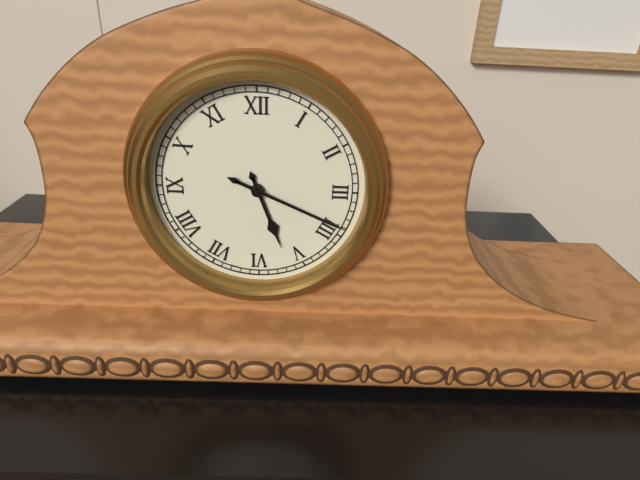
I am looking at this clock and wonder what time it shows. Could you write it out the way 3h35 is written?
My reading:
5h19
